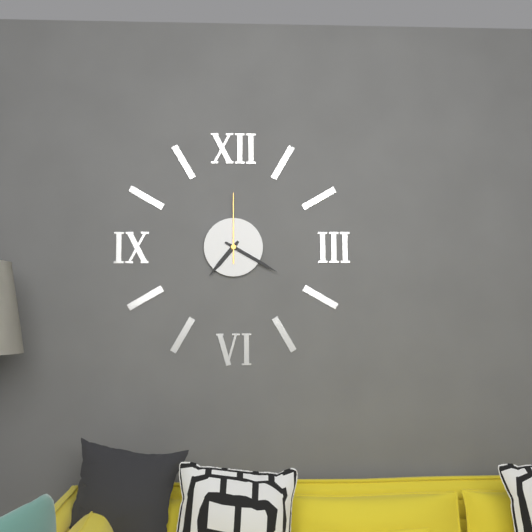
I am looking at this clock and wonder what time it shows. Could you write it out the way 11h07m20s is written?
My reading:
7h20m00s
